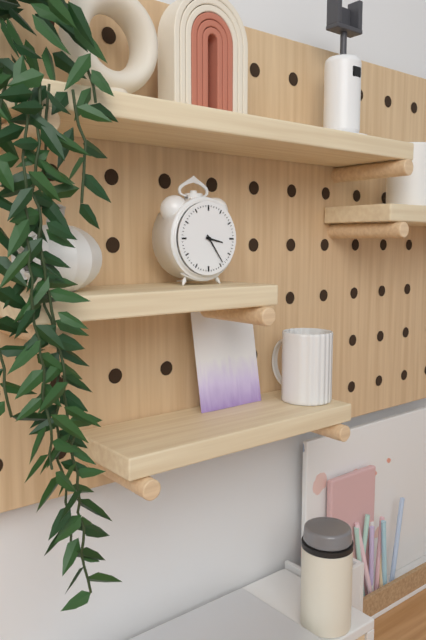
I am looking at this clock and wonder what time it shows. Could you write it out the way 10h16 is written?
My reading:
3h24
